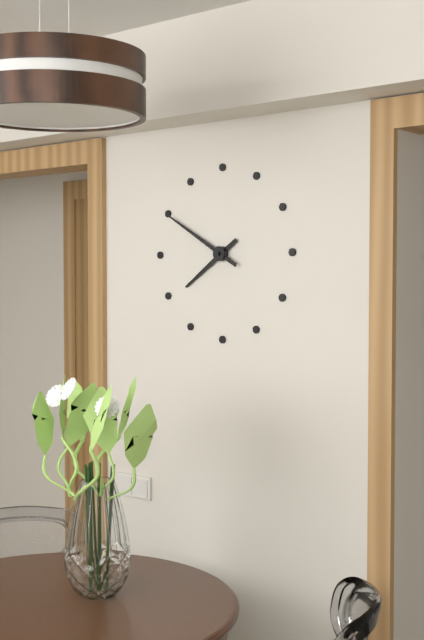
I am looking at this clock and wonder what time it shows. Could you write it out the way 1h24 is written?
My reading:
7h50
